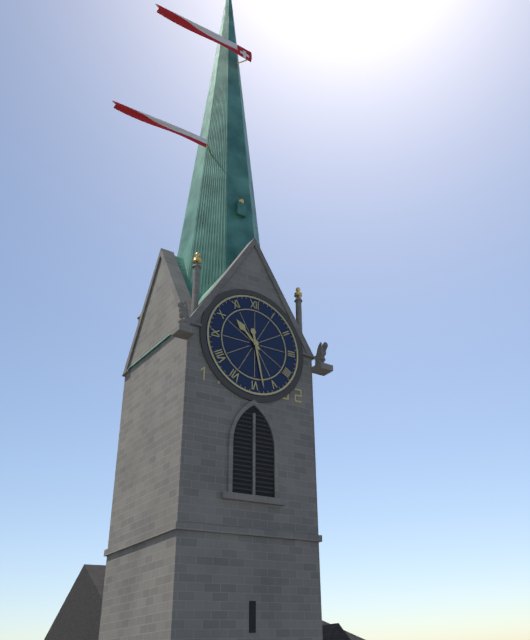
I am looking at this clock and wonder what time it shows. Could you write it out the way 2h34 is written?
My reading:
10h28
